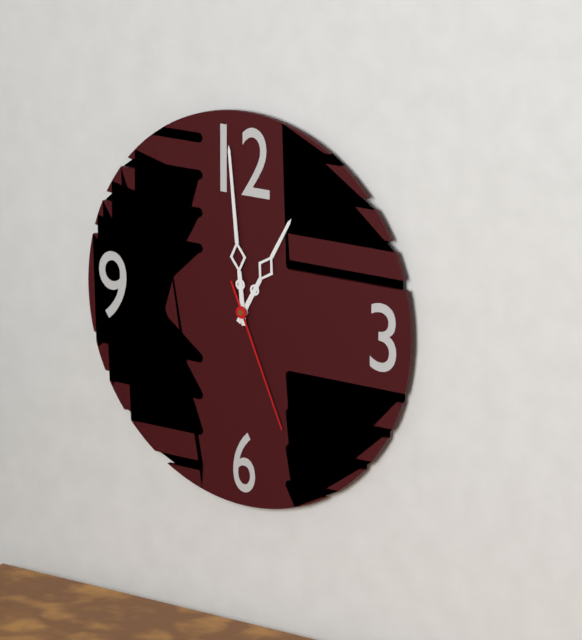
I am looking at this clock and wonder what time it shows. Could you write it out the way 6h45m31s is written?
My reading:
12h59m26s
